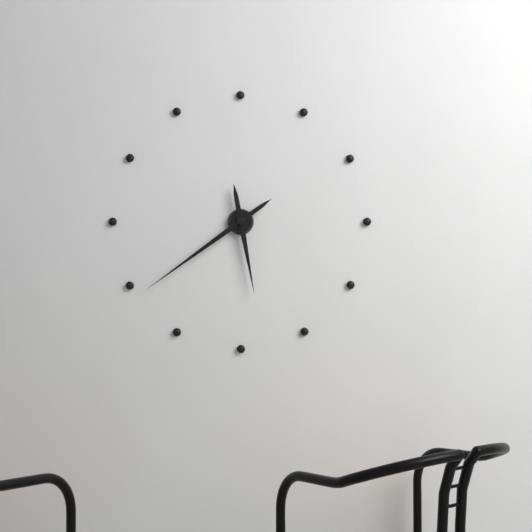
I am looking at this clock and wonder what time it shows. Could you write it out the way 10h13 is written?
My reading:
5h39
